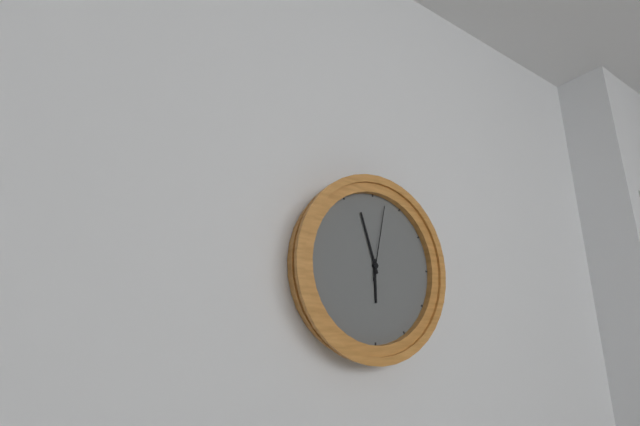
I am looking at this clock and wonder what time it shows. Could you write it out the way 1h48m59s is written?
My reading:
5h57m02s
